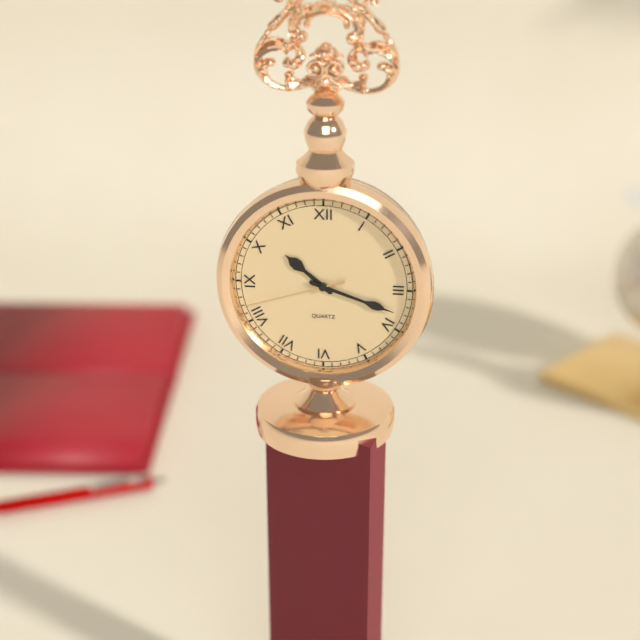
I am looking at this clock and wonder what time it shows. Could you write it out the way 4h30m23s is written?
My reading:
10h18m42s
